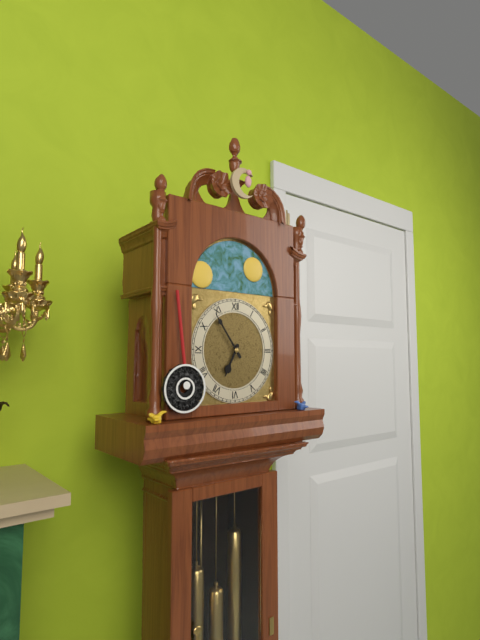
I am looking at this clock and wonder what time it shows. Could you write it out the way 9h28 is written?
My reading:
6h54
